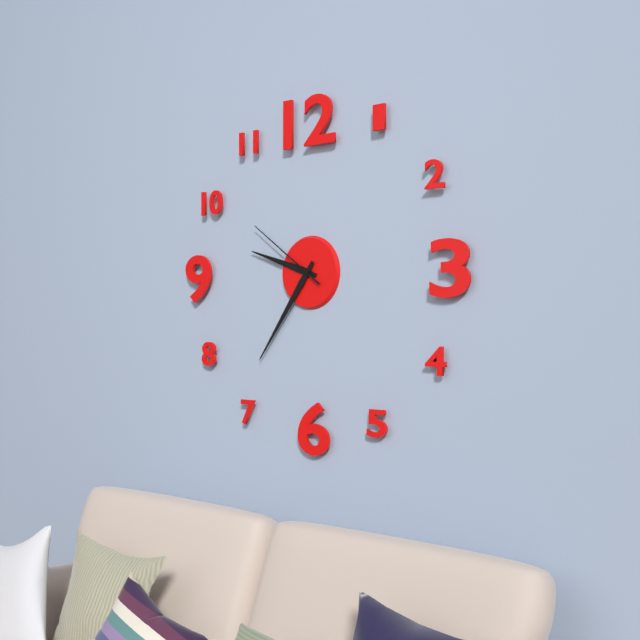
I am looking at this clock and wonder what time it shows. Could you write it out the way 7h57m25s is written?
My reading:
9h36m51s
